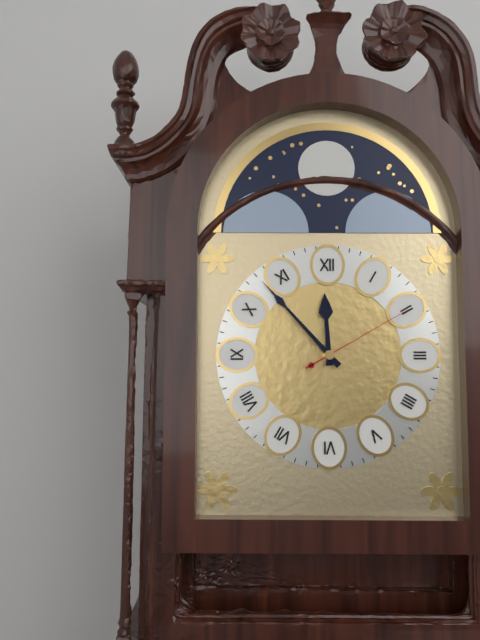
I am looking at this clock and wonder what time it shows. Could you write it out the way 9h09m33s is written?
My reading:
11h53m10s
